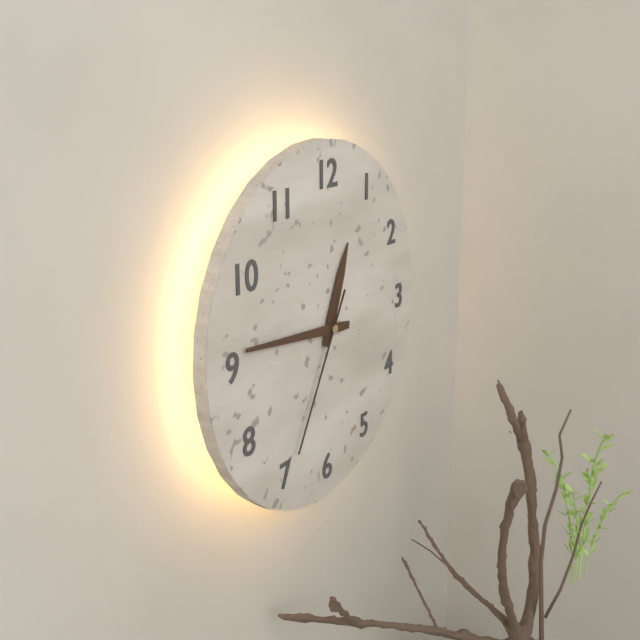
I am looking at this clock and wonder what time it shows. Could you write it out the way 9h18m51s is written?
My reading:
12h46m35s
